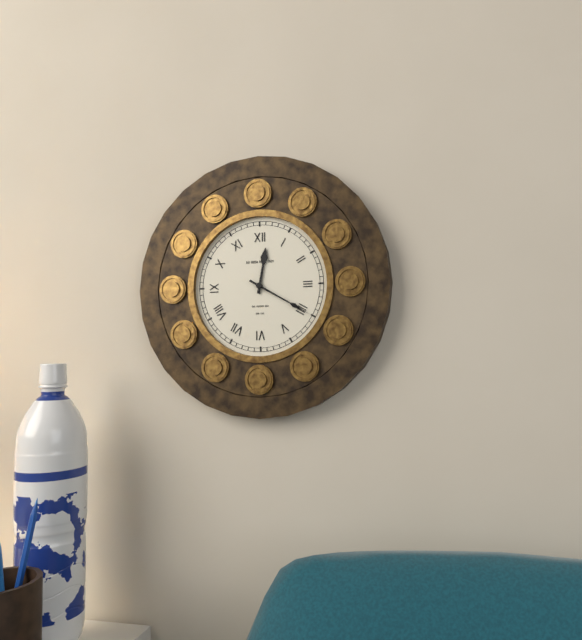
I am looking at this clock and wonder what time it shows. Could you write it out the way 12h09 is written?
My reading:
12h20
